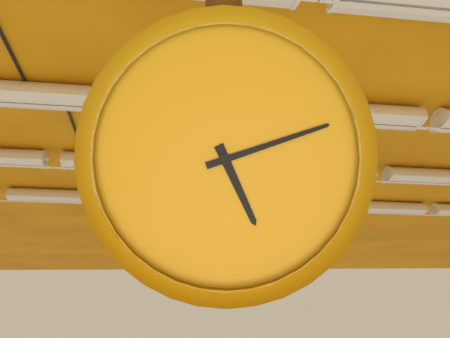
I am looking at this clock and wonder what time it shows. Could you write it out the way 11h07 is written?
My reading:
5h12
